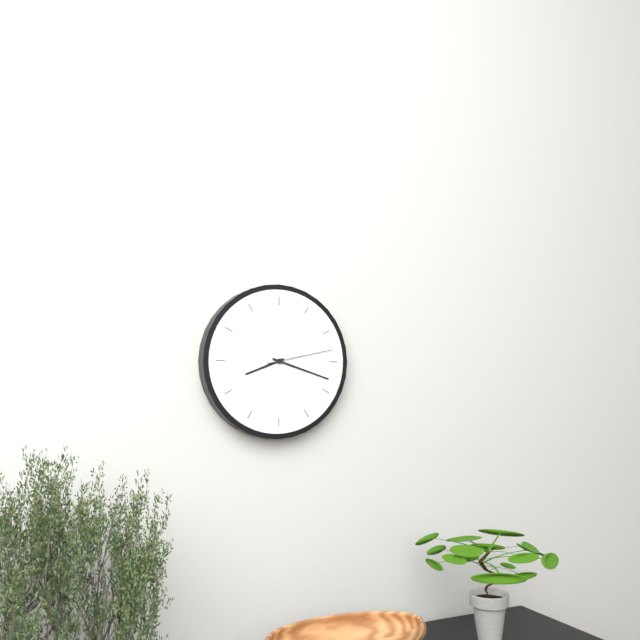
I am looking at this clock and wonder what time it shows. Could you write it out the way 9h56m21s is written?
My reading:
8h18m13s
